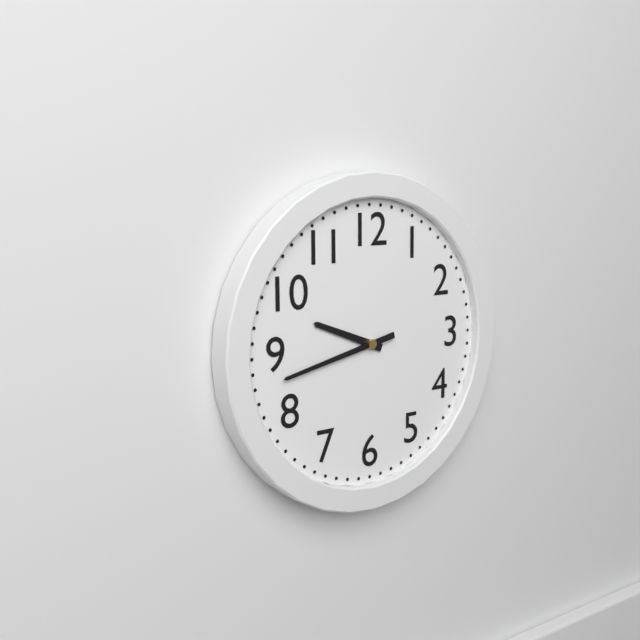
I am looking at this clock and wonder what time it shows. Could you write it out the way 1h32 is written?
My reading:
9h43
